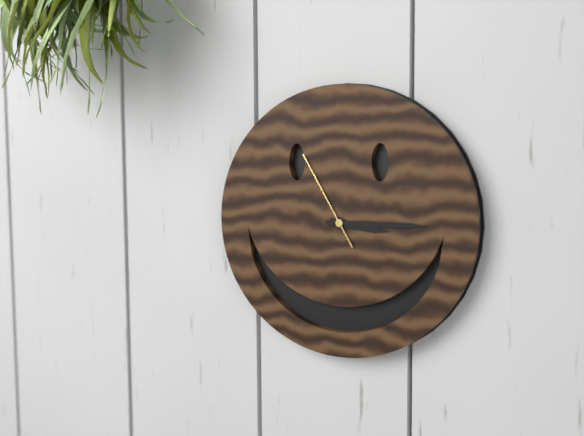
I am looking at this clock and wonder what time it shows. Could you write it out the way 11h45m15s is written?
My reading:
3h15m55s
